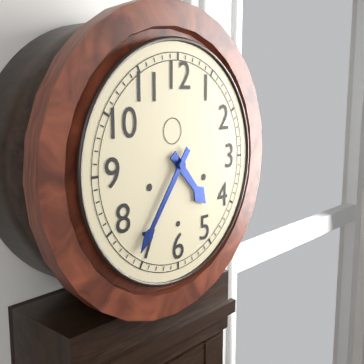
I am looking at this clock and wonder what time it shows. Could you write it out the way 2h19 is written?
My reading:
4h36
